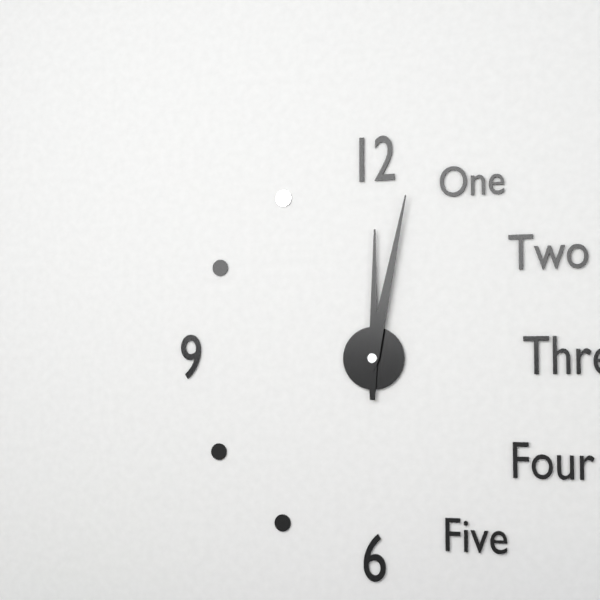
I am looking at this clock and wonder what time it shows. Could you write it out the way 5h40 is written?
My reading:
12h02
